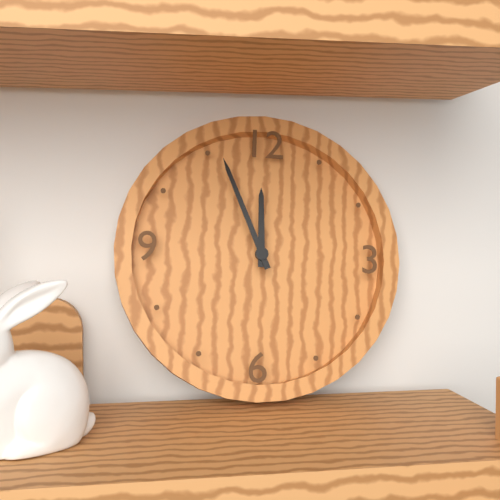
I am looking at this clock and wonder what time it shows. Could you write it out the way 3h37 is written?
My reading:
11h56
